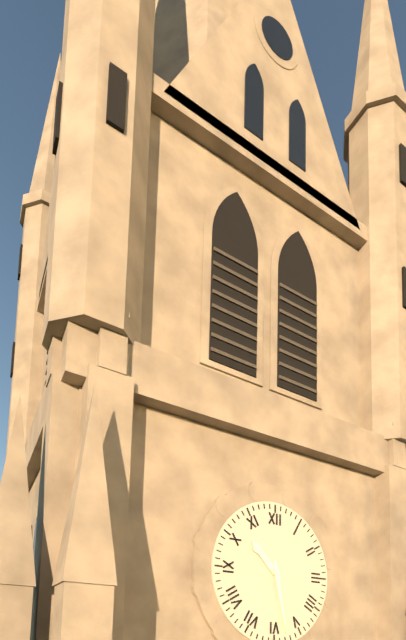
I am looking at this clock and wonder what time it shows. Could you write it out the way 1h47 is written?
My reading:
10h28
